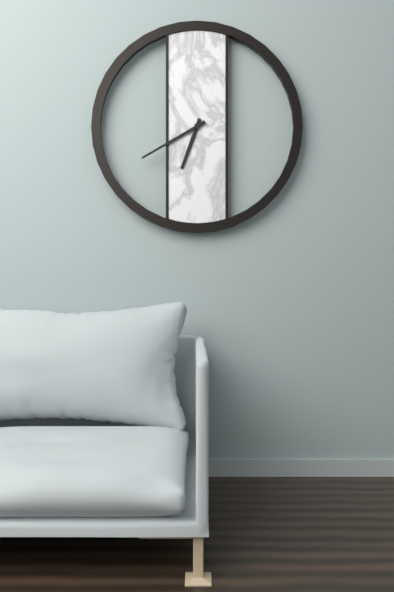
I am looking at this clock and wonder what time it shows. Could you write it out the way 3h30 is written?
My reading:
6h40
